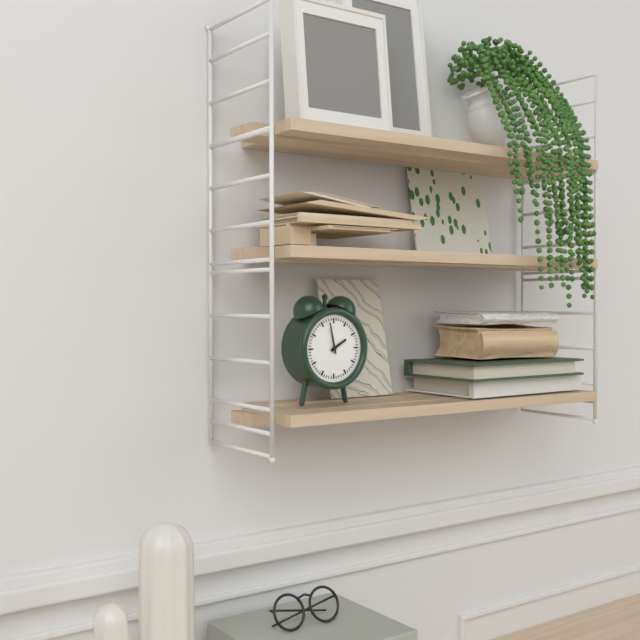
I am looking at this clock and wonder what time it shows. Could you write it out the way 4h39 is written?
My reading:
1h58
